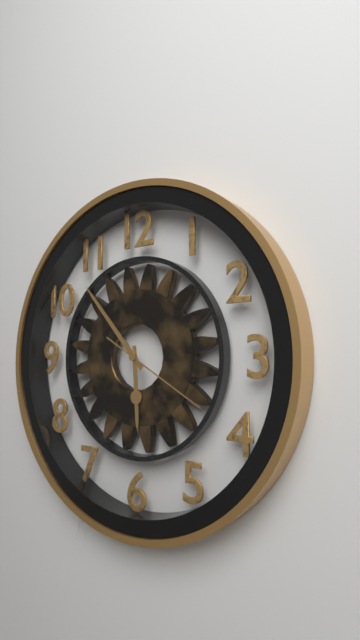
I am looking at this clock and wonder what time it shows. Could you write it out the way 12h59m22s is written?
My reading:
5h53m20s
